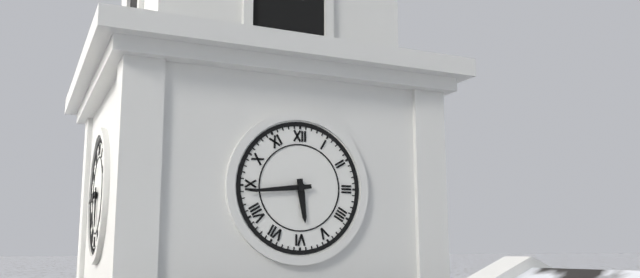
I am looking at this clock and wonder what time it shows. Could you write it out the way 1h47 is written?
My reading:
5h44
